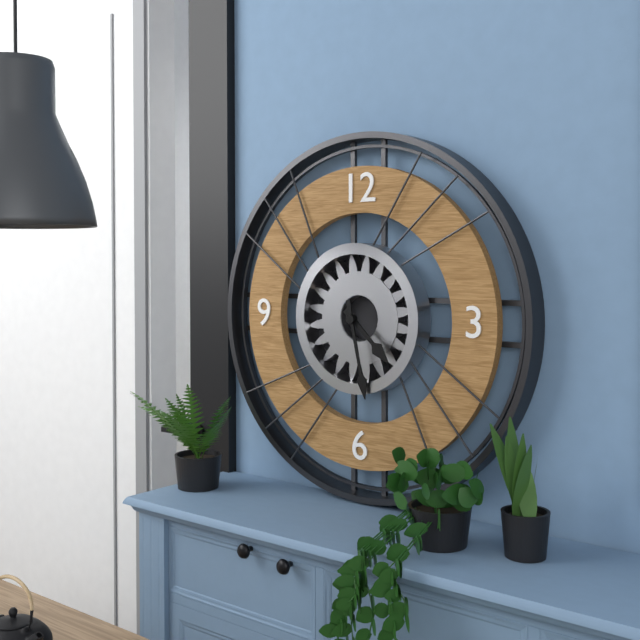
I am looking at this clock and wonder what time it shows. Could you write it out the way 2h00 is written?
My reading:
4h28
